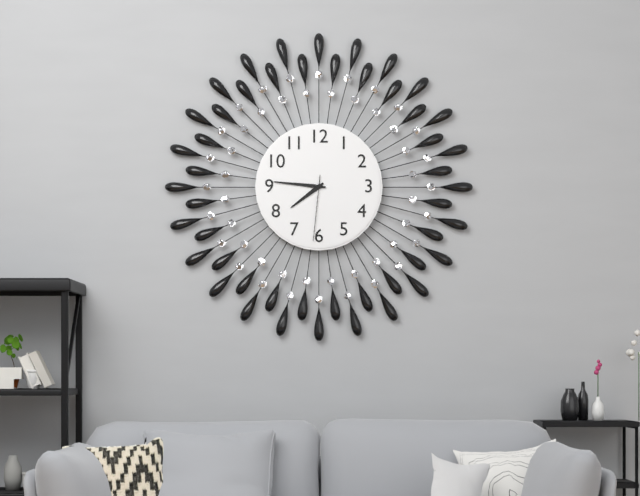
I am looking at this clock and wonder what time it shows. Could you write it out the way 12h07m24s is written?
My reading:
7h46m31s
